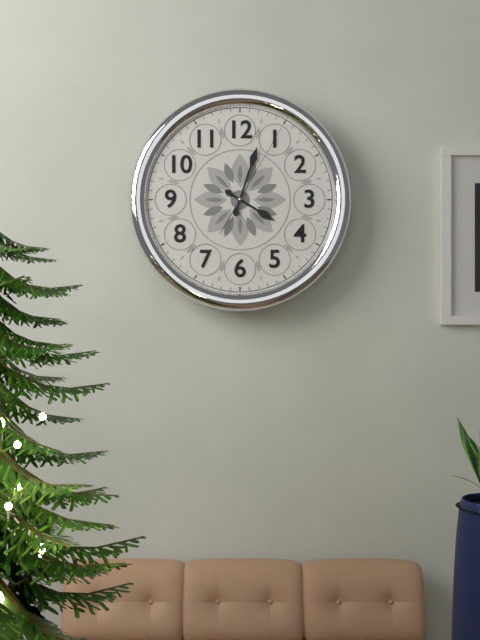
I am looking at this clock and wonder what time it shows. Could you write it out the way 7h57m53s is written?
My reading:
4h03m05s
